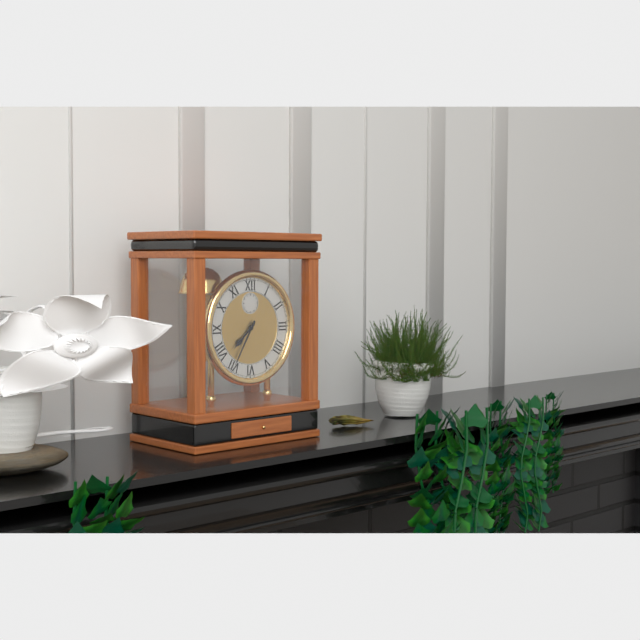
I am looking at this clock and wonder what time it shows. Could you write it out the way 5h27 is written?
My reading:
7h35
